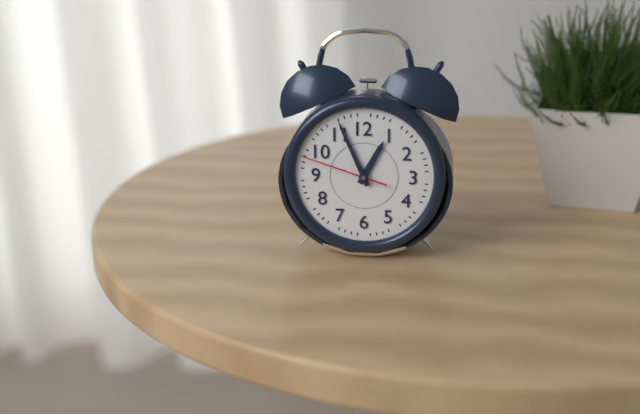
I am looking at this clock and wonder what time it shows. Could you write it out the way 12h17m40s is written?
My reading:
12h56m48s
